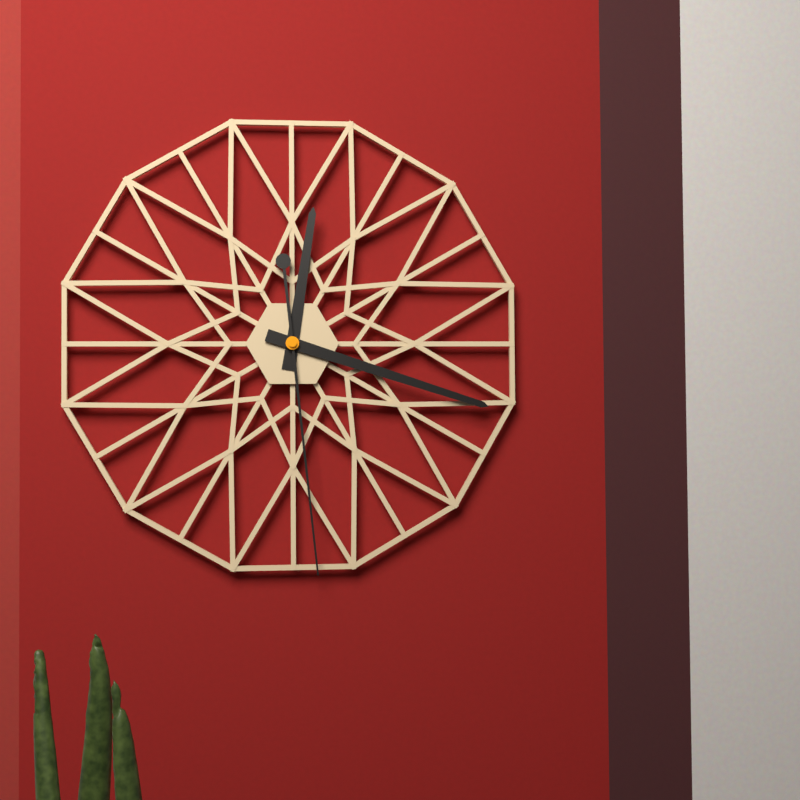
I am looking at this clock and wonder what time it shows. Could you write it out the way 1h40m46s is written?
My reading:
12h18m29s
